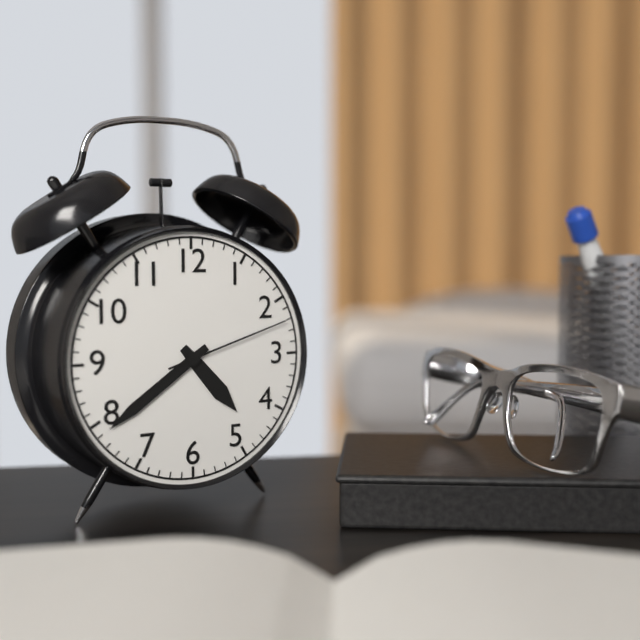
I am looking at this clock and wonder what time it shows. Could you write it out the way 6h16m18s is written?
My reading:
4h39m12s
